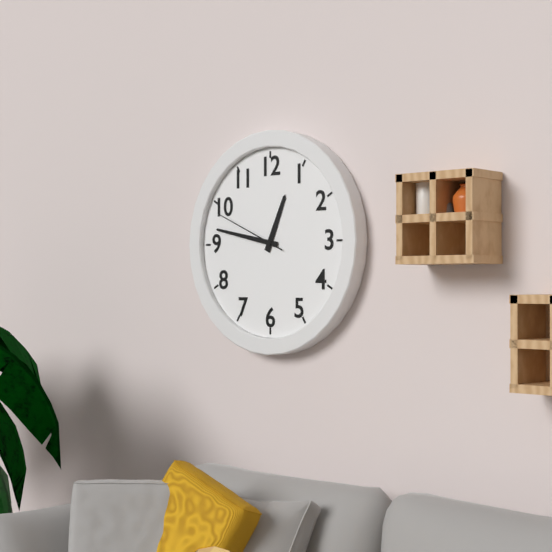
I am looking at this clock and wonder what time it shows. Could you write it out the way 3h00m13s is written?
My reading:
12h47m49s
